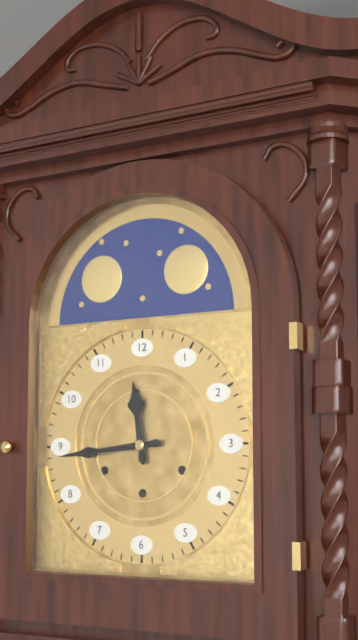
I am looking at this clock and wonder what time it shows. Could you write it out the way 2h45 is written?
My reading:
11h44
